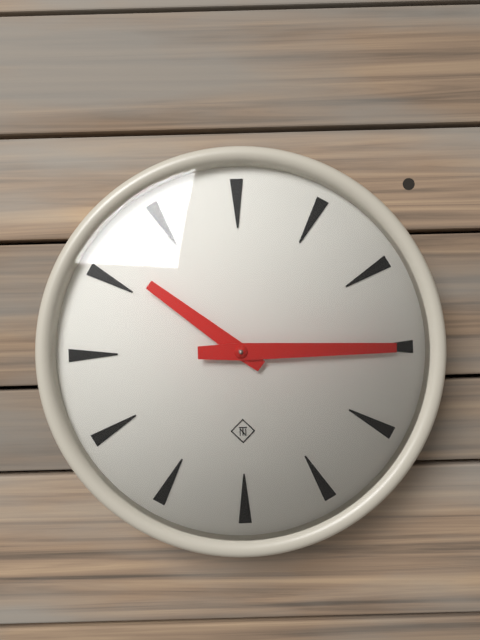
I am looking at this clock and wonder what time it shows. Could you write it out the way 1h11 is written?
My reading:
10h15
